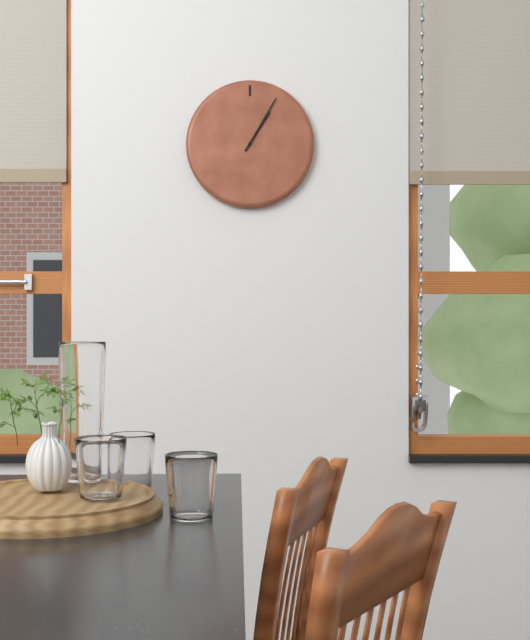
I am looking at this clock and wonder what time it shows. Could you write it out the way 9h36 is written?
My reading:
1h05
